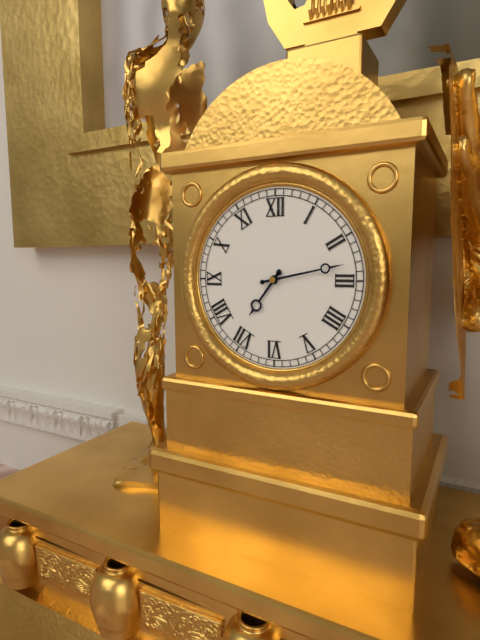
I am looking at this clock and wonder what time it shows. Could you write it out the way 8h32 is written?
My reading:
7h13
